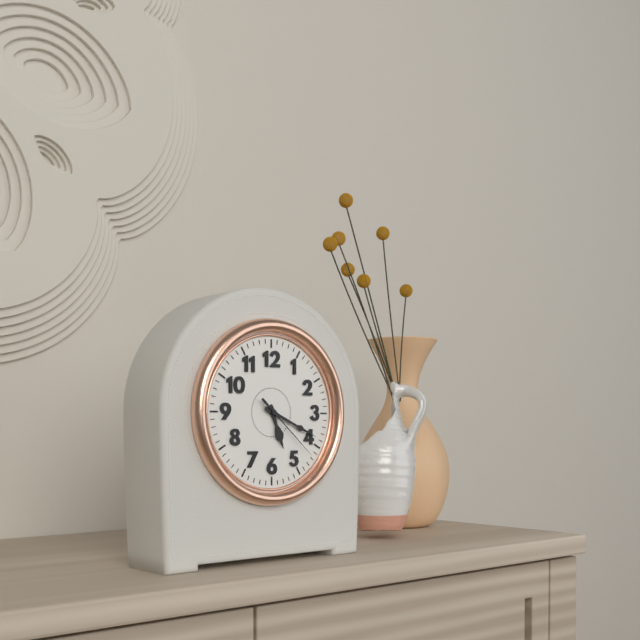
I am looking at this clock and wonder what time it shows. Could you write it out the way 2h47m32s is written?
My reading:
5h19m22s
